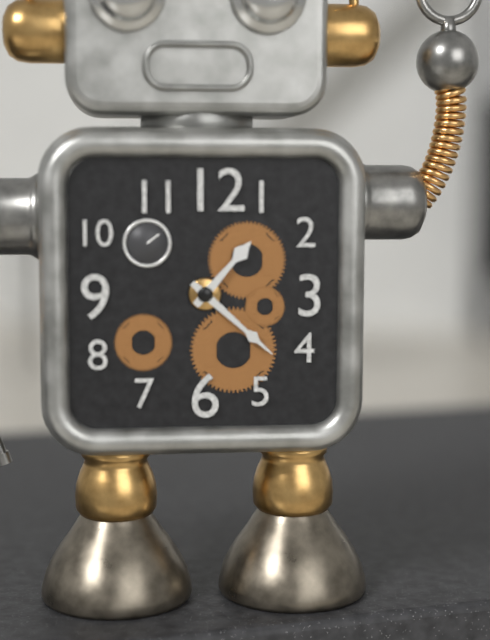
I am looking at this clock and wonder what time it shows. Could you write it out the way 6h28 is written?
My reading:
1h22
